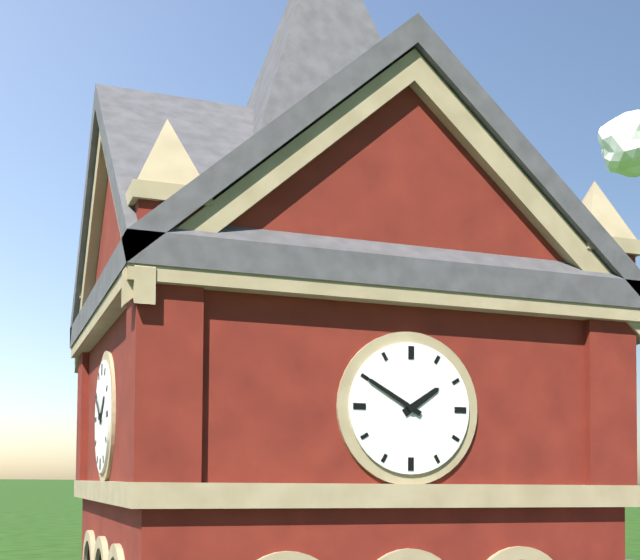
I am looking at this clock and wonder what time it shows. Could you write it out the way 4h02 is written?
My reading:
1h50
